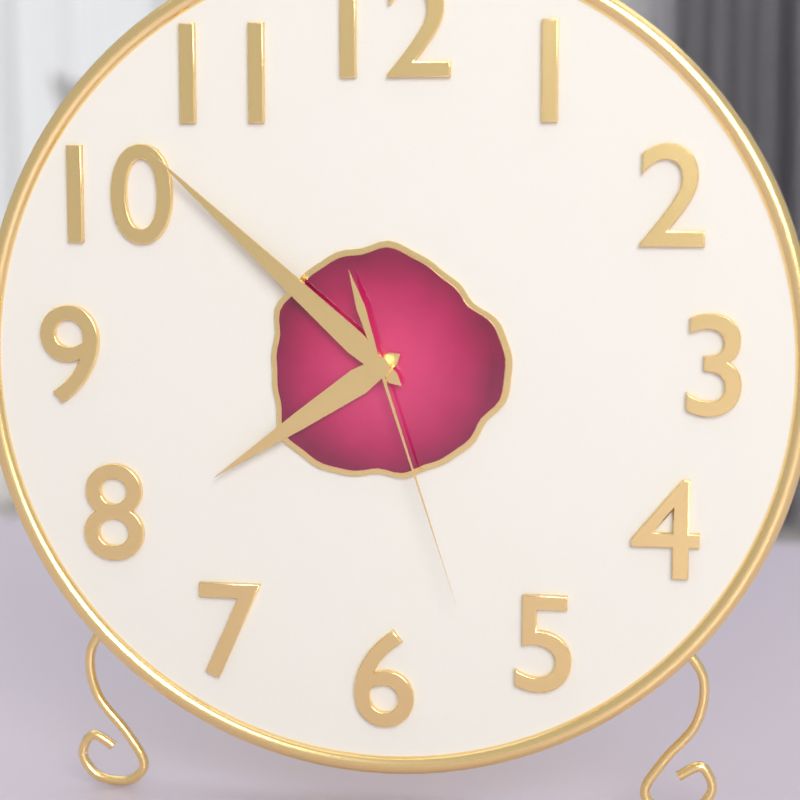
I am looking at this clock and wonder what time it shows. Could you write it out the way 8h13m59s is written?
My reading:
7h52m27s
